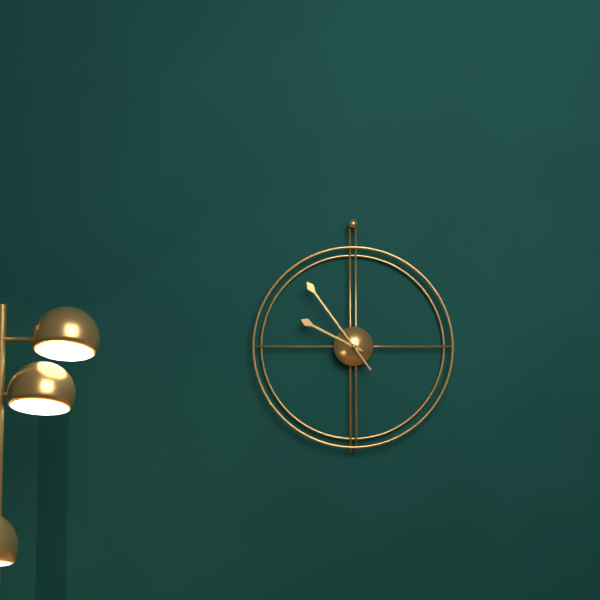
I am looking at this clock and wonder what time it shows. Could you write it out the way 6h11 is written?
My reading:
9h54
